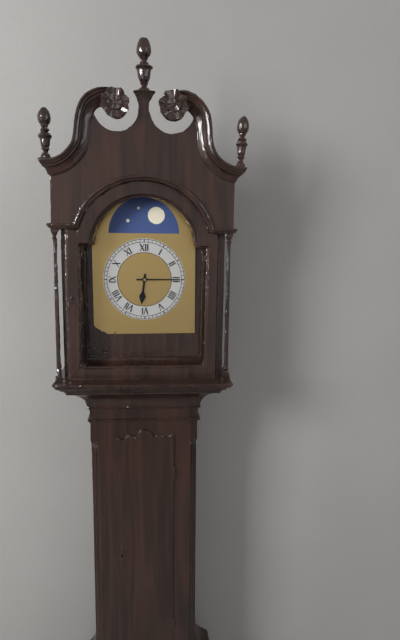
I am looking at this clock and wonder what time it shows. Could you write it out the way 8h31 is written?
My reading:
6h15
